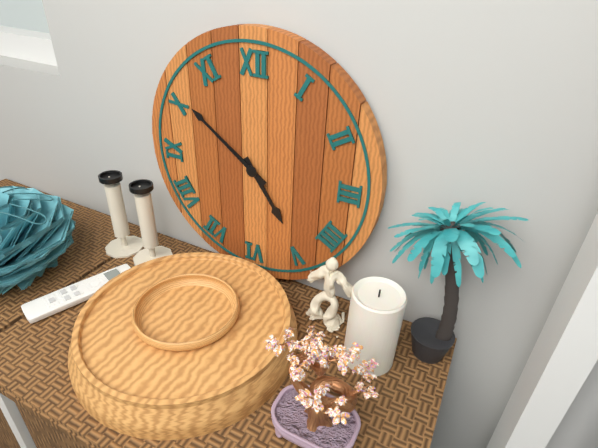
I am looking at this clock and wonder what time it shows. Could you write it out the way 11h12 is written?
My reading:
4h51
